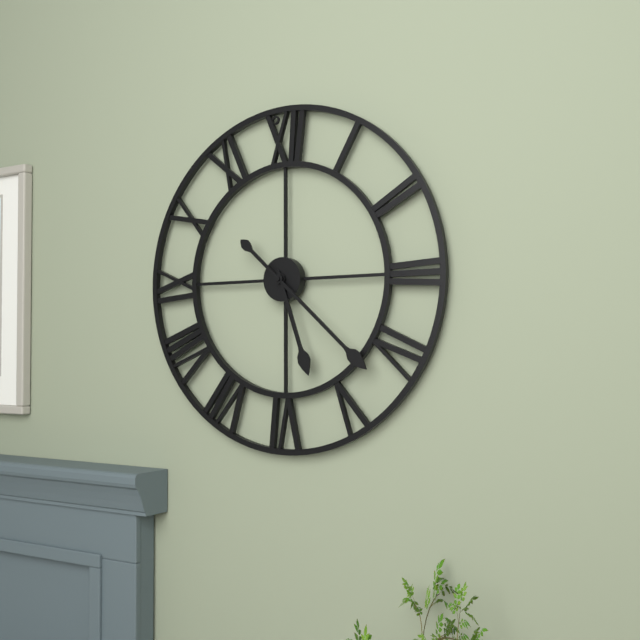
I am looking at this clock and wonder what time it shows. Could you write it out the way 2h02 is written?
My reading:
5h22
